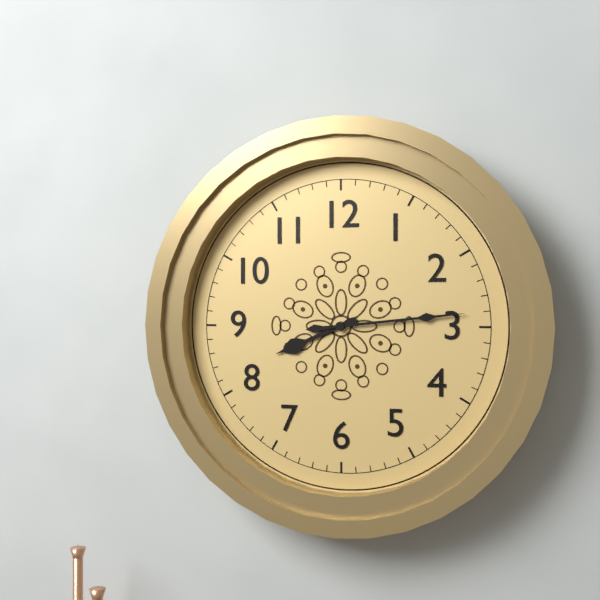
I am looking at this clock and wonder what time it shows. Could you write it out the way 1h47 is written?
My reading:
8h14
